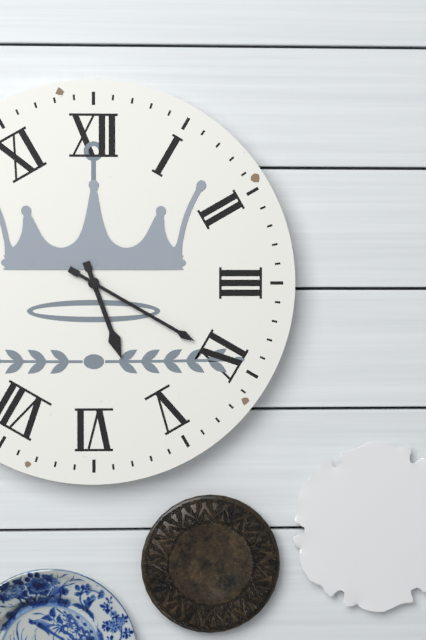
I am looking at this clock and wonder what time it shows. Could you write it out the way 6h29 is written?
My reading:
5h20
